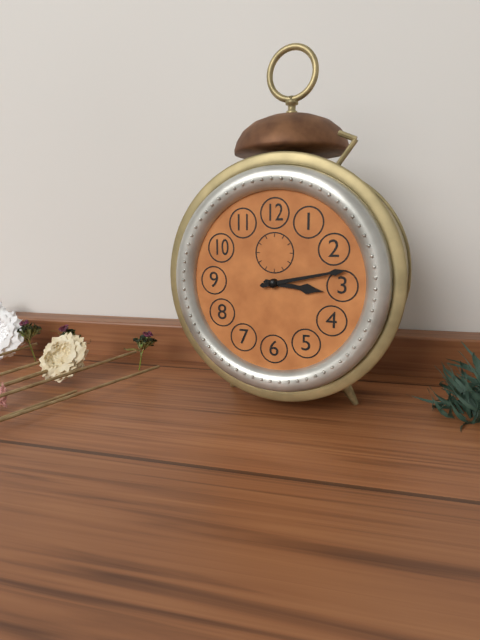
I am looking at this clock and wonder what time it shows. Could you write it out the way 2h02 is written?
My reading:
3h13
